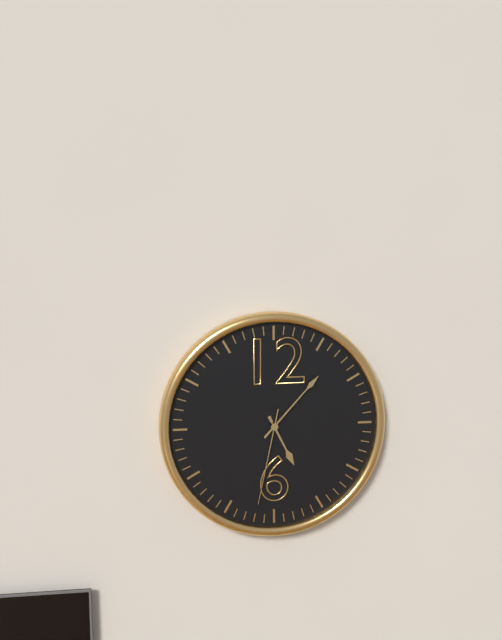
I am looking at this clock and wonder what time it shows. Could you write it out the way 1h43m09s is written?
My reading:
5h07m32s
